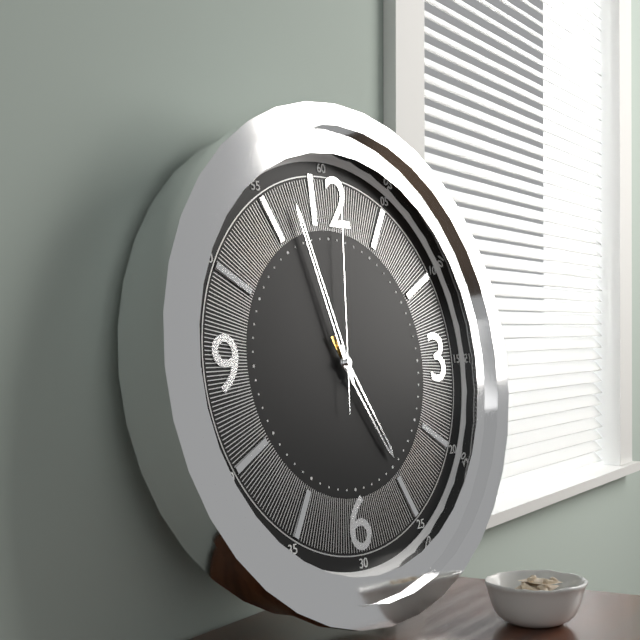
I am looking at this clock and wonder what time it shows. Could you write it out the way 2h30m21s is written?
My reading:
4h57m01s
